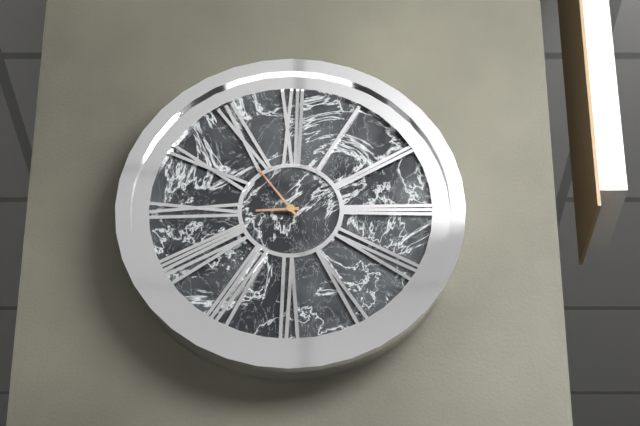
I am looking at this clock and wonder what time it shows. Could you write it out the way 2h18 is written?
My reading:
8h54
